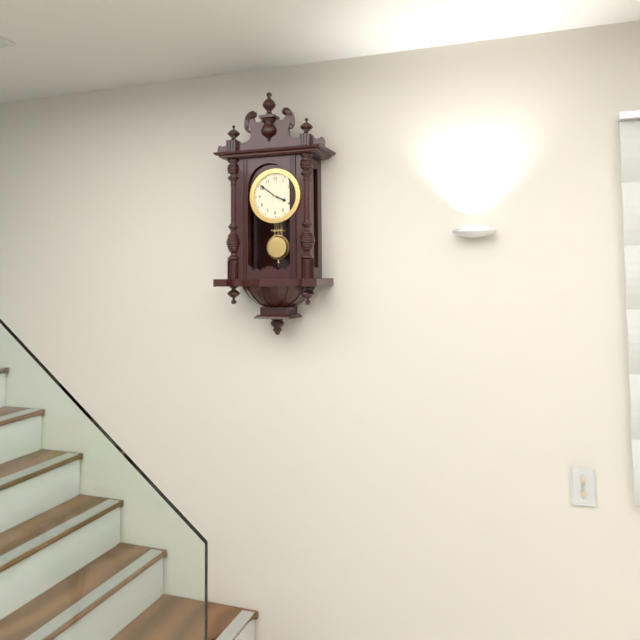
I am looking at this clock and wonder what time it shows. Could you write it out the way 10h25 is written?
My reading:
3h51
